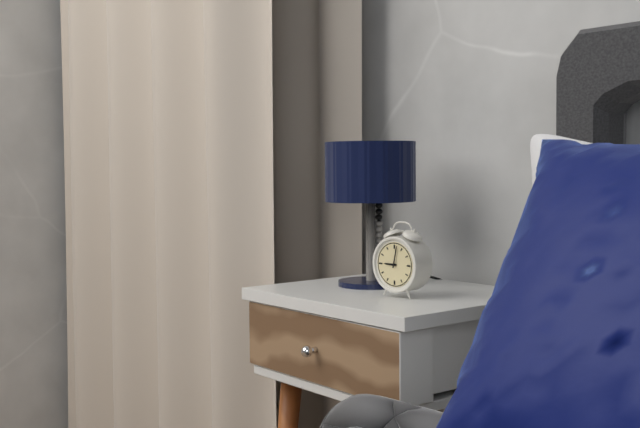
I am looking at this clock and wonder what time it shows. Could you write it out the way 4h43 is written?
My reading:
9h02
